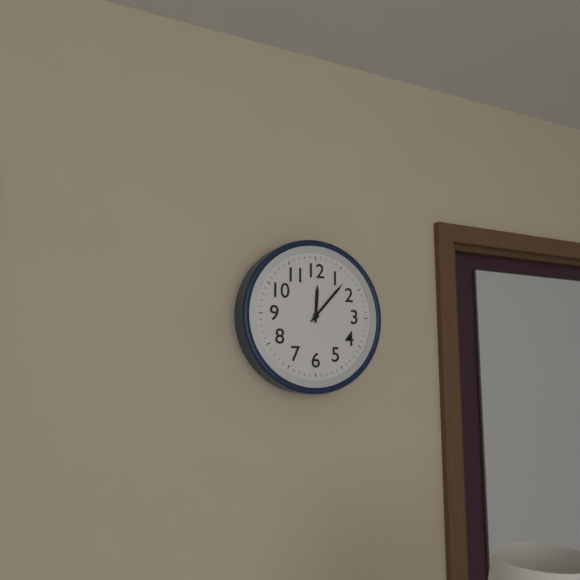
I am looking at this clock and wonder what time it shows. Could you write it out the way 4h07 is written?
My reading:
12h07
